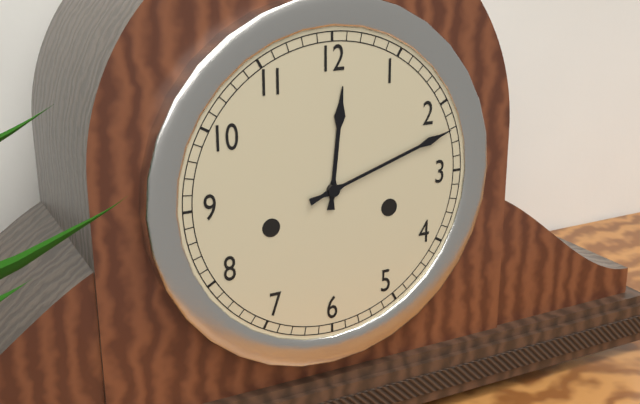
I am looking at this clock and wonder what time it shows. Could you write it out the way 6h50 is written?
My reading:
12h12
